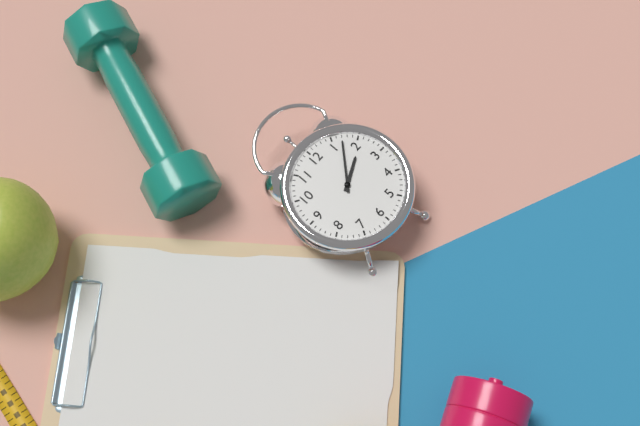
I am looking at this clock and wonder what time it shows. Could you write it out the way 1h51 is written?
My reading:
2h07
